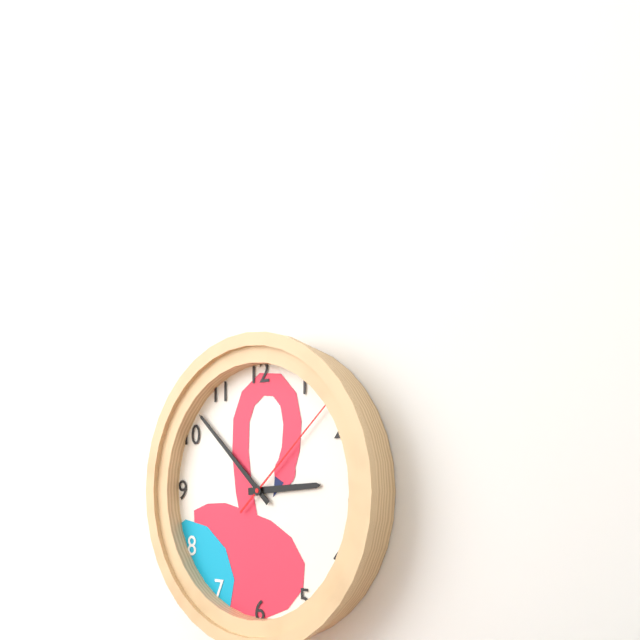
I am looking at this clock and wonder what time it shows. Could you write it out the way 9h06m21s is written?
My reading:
2h52m08s
